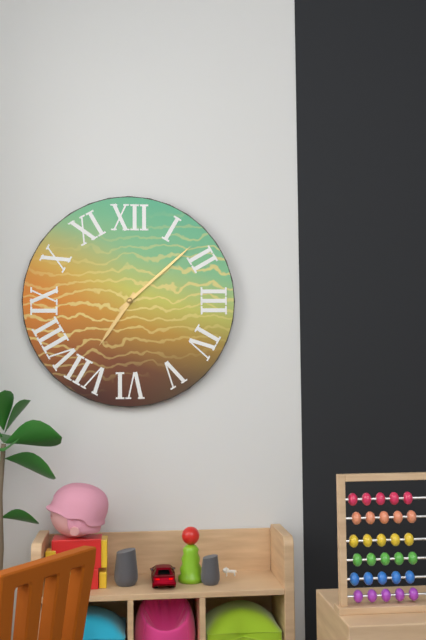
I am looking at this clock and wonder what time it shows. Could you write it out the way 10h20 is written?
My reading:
7h08
